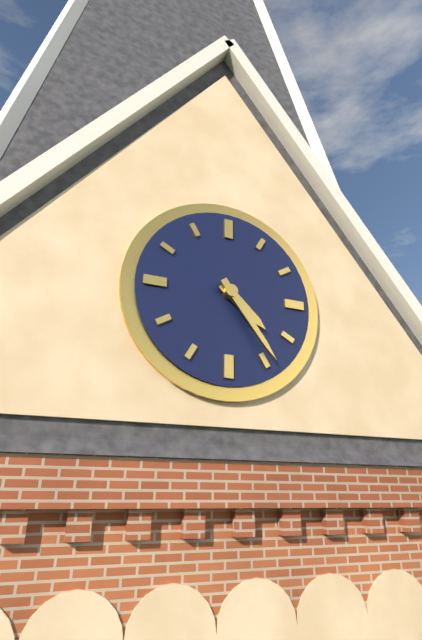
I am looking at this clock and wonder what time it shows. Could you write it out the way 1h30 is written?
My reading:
4h24
